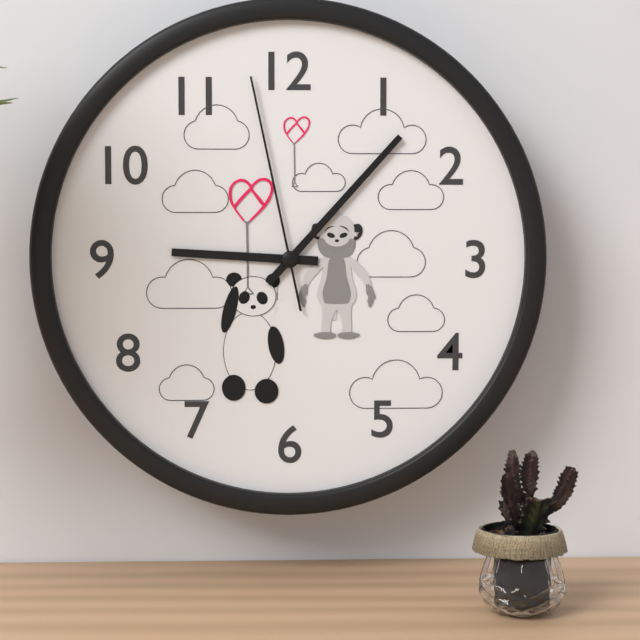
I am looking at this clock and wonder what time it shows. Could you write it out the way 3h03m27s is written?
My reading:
9h07m58s
